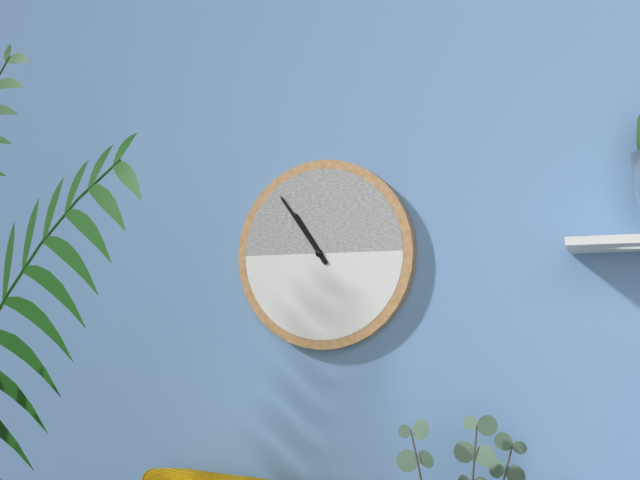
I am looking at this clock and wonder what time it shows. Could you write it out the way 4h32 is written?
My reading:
10h54
